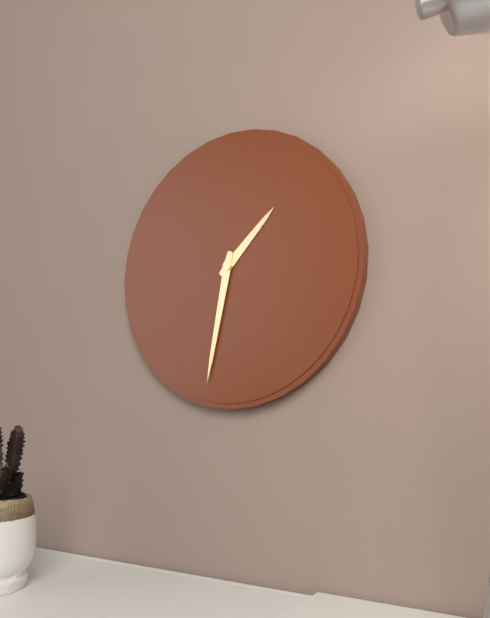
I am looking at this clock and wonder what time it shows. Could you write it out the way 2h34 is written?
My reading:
1h32
